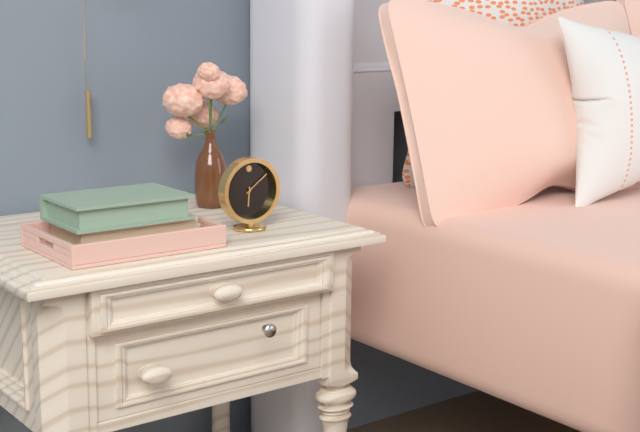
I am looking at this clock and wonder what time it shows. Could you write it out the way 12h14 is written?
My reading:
6h09
